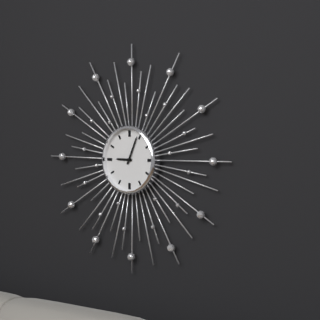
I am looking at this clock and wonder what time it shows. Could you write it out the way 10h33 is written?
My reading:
9h04
